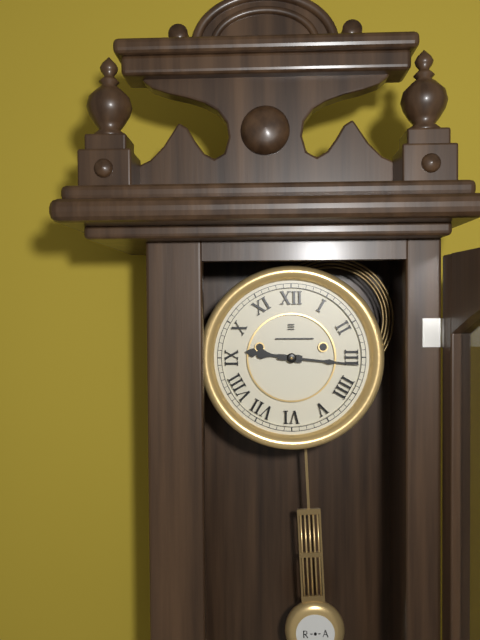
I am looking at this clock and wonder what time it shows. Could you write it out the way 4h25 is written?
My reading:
9h16
